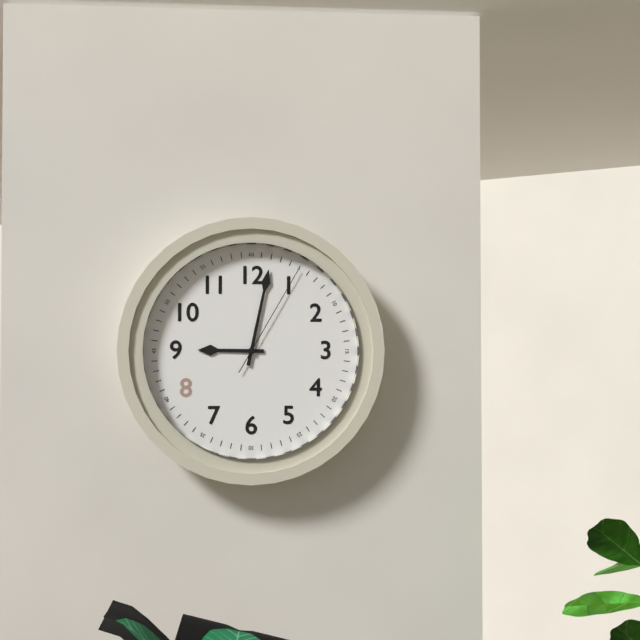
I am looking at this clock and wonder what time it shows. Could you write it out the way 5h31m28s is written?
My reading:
9h02m05s
